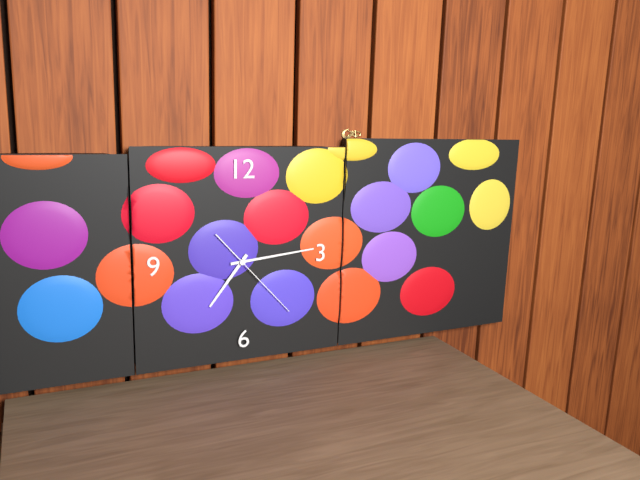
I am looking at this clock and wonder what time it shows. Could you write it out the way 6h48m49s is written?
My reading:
7h14m23s
